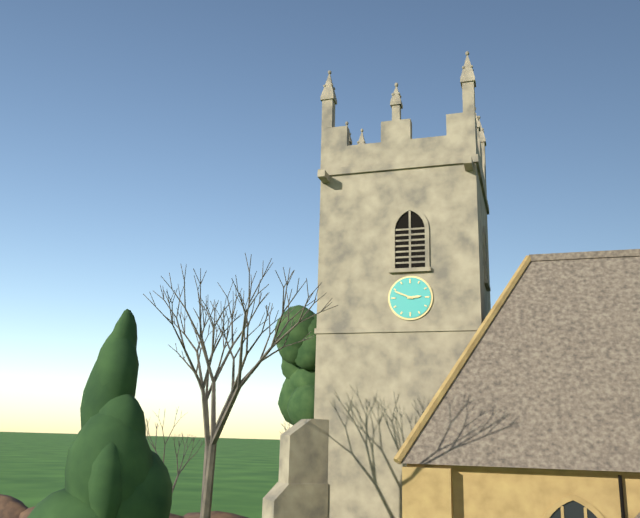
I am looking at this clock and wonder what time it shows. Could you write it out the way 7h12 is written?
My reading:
2h49
